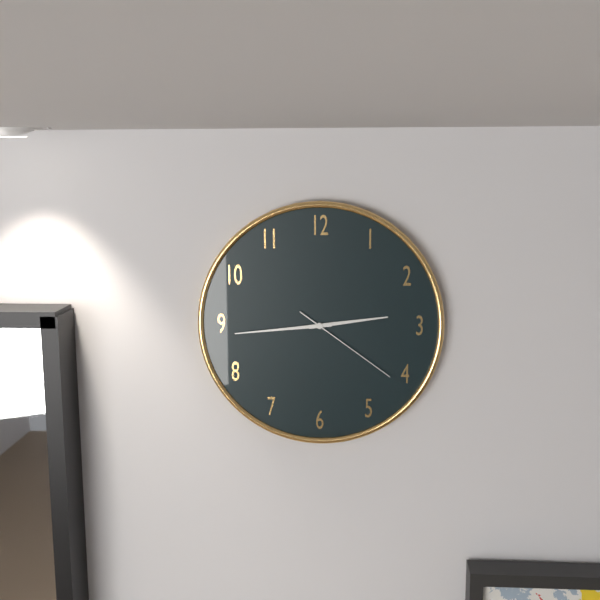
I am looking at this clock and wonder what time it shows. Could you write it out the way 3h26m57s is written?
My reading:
2h44m21s
